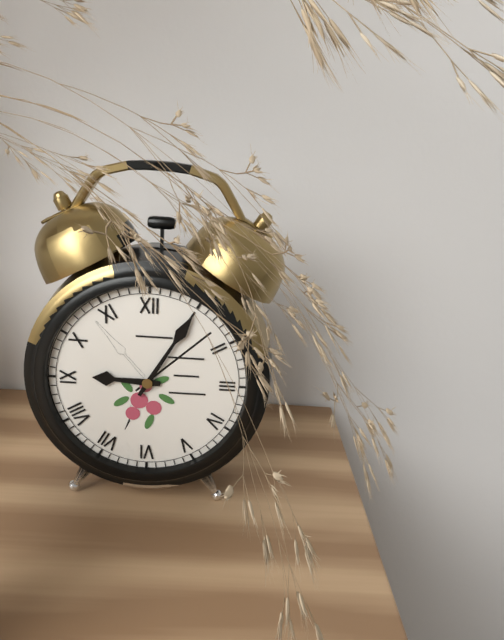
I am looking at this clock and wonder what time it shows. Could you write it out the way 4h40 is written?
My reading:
9h05
